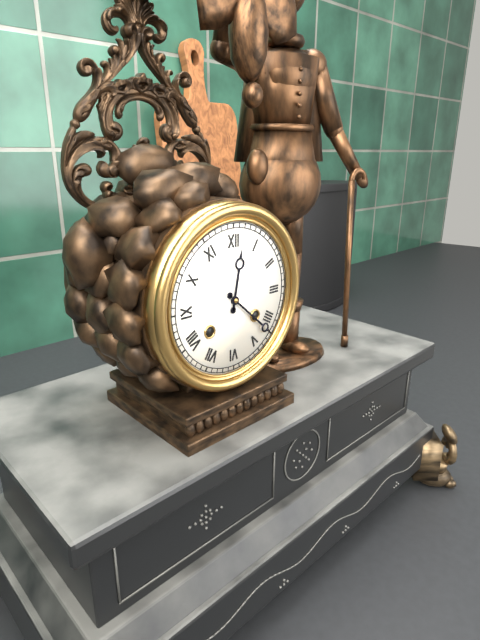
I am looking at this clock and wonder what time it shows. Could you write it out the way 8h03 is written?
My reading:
12h22
